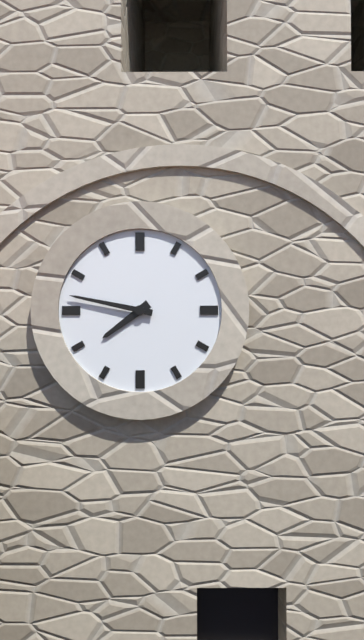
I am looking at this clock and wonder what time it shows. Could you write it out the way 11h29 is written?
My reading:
7h47
